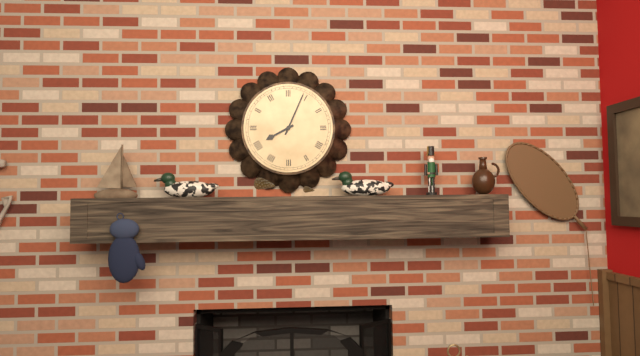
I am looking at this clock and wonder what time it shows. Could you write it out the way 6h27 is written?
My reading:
8h04
